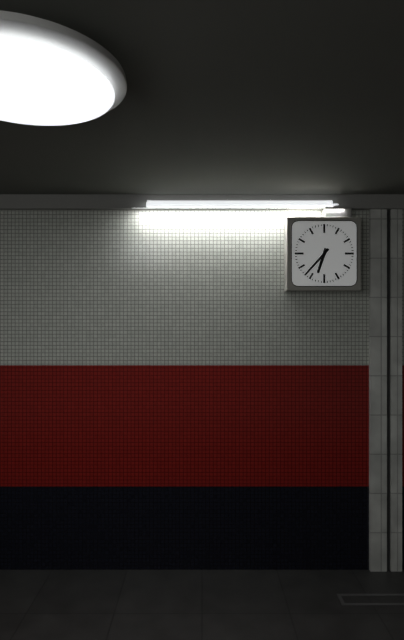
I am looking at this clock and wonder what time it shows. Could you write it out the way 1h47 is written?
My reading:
6h37
